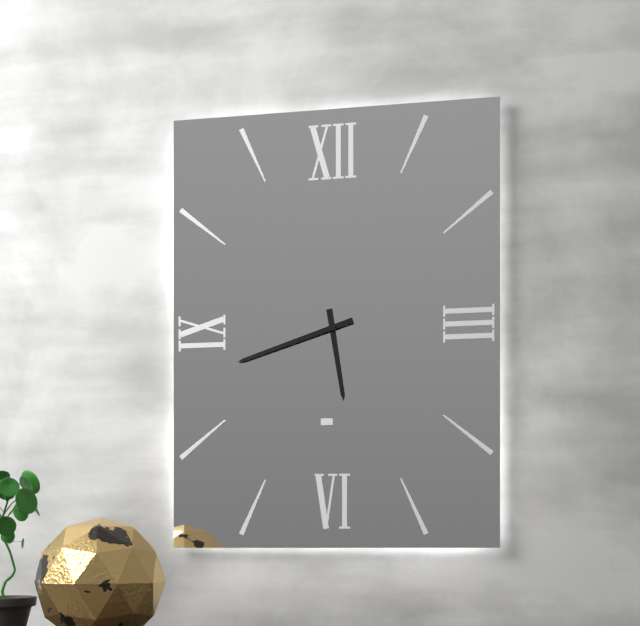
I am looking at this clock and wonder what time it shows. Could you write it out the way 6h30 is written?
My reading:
5h42
